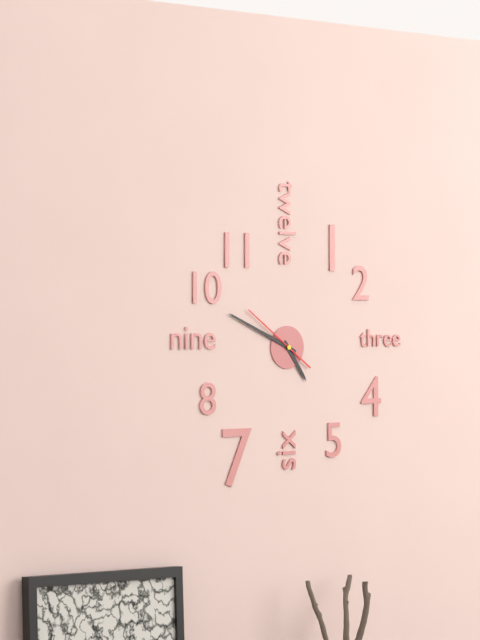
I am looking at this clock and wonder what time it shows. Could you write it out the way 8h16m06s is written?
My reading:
4h49m51s
